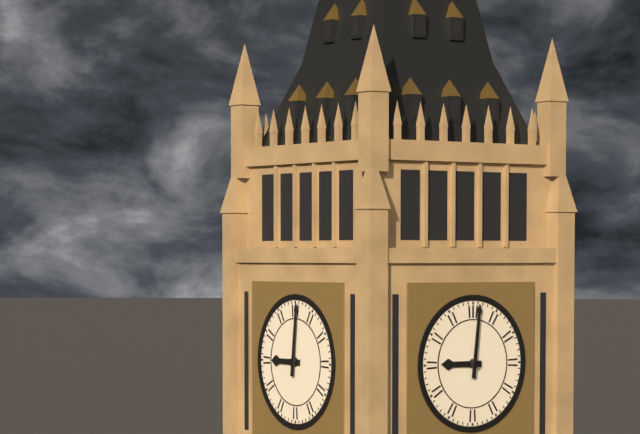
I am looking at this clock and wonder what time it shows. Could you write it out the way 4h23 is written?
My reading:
9h01
